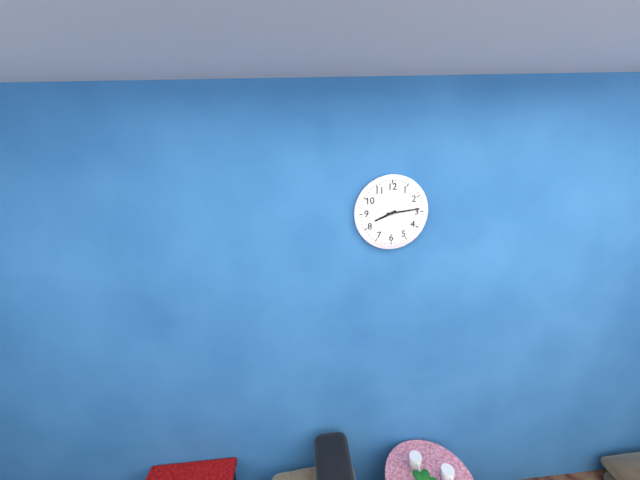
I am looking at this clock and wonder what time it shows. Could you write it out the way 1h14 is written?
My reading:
8h14
